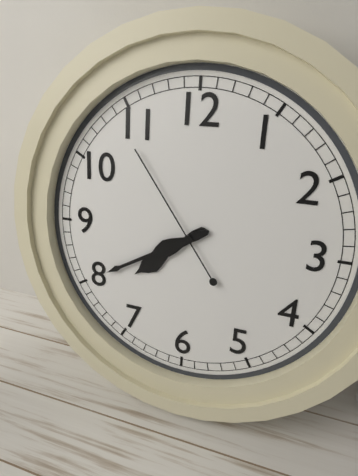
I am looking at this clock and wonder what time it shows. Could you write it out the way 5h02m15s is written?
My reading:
7h40m54s
